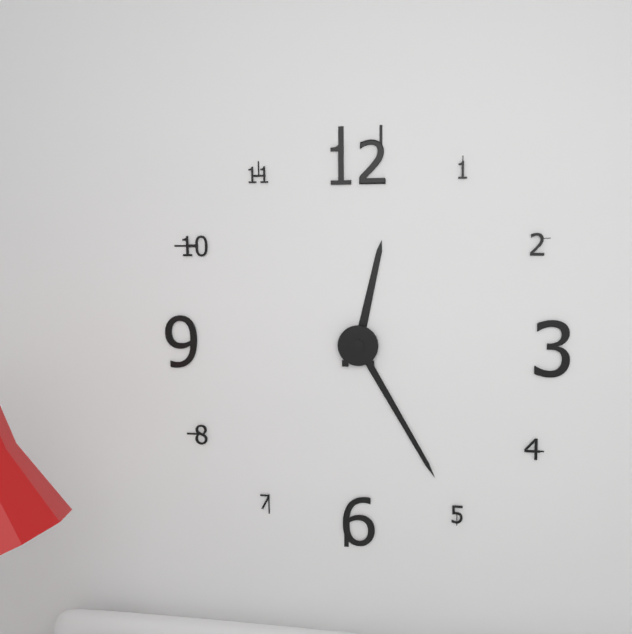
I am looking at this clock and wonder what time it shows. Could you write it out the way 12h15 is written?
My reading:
12h25
